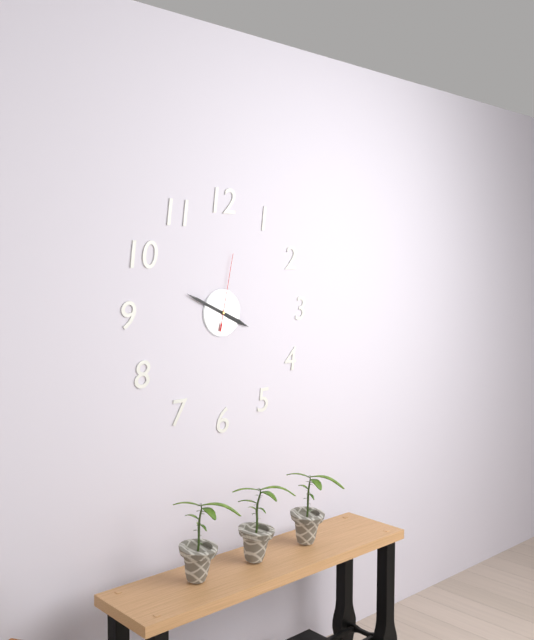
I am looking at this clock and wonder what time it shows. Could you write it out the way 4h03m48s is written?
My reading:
3h49m02s
